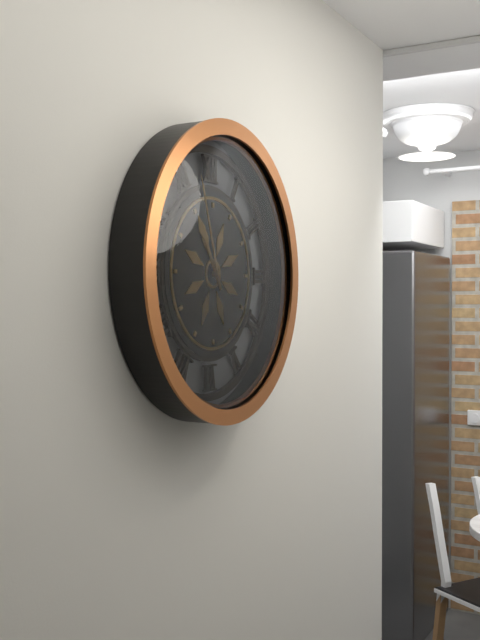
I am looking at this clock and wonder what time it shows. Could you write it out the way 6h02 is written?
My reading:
10h57
